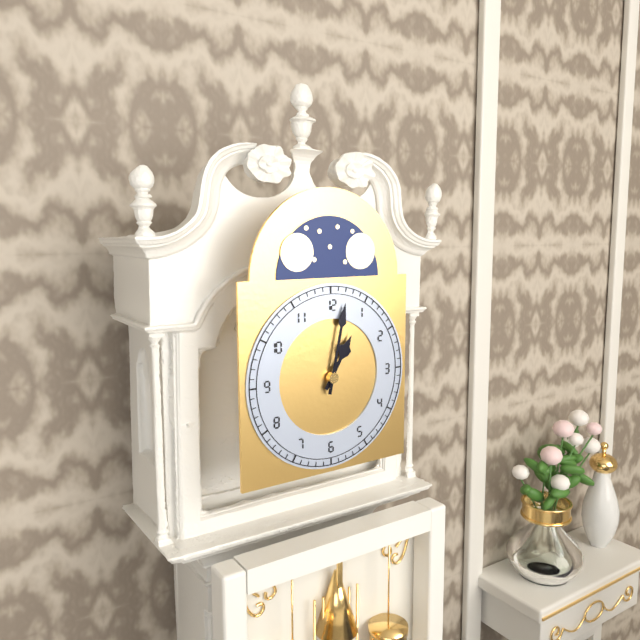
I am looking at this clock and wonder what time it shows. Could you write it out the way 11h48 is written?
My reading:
1h02
